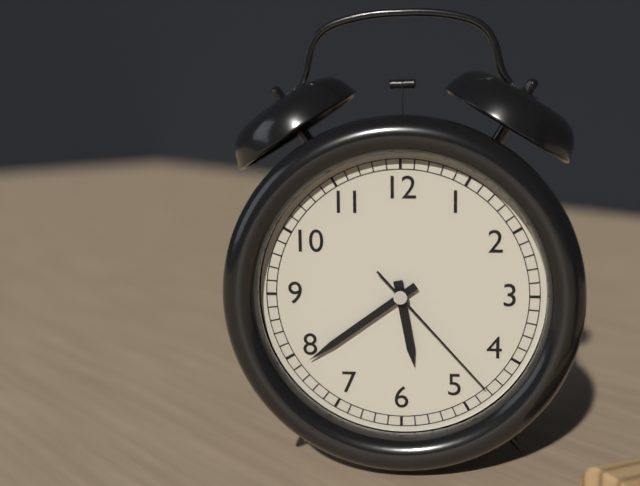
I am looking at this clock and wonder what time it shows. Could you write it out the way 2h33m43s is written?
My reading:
5h39m23s
